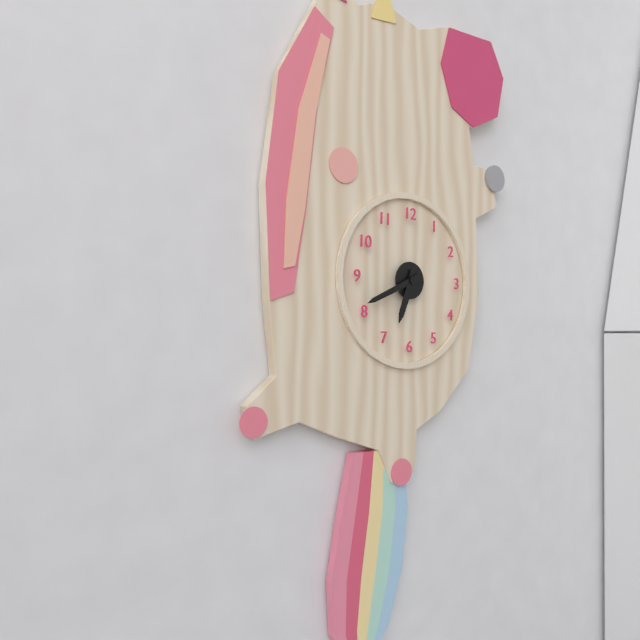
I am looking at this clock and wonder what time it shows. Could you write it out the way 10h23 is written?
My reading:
6h41
